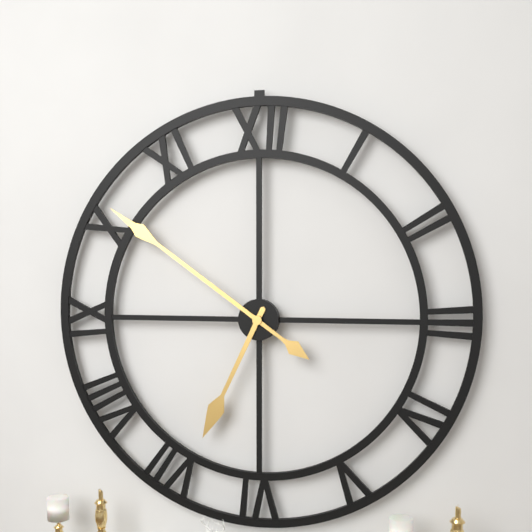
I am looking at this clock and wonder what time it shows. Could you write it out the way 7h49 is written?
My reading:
6h51
